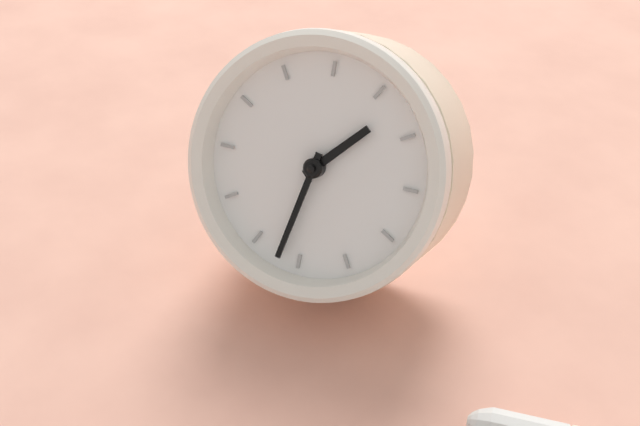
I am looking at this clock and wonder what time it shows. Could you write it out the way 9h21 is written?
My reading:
12h27
